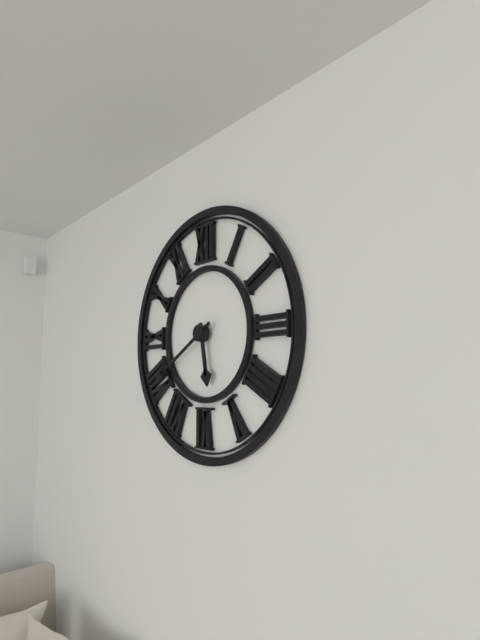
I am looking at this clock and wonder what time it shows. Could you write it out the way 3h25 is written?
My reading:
5h40
